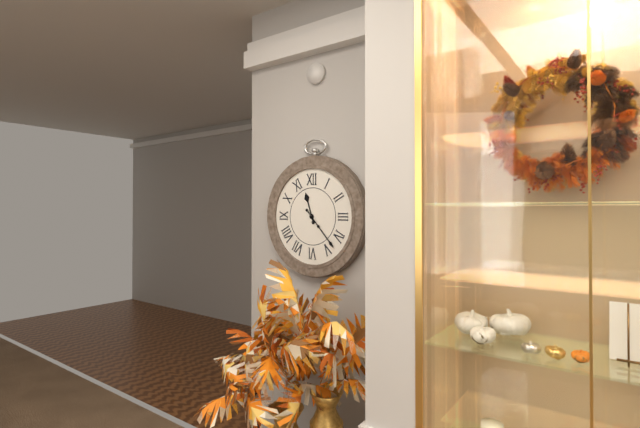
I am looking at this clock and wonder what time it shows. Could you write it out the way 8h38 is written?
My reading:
11h23
